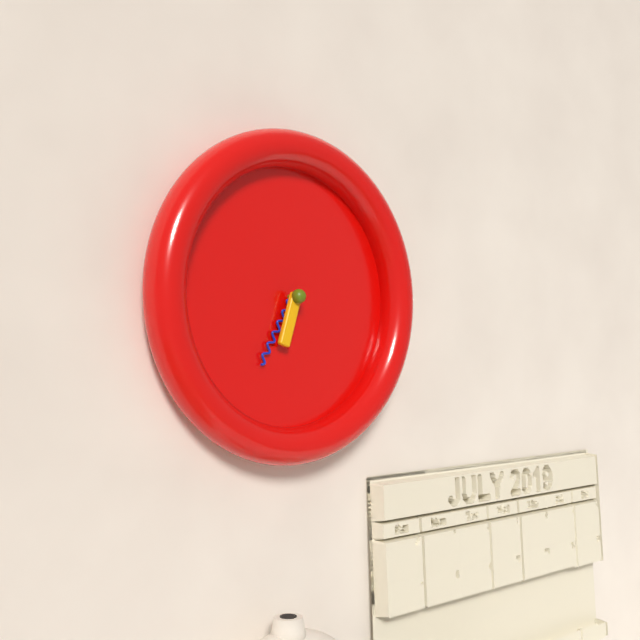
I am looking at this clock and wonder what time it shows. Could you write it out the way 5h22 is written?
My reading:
6h35
